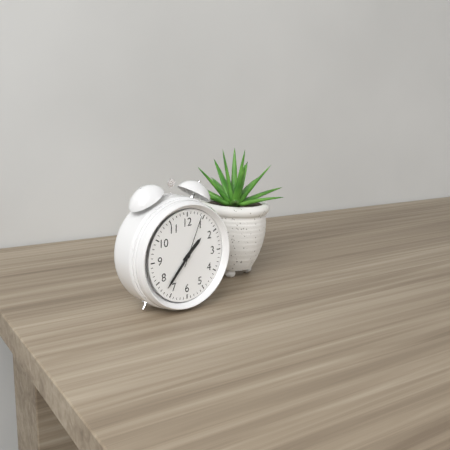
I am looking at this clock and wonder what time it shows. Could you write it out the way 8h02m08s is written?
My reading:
1h37m04s
